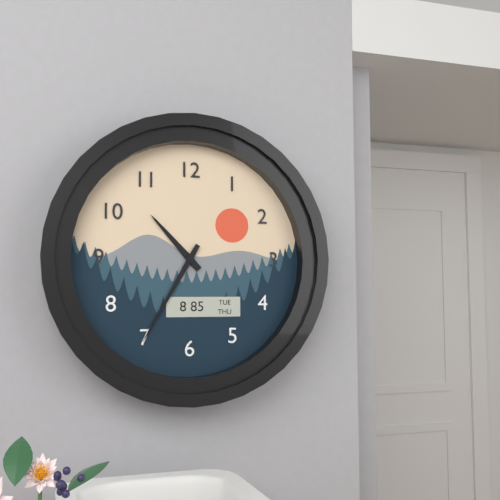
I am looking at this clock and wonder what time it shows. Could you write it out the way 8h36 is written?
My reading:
10h35
